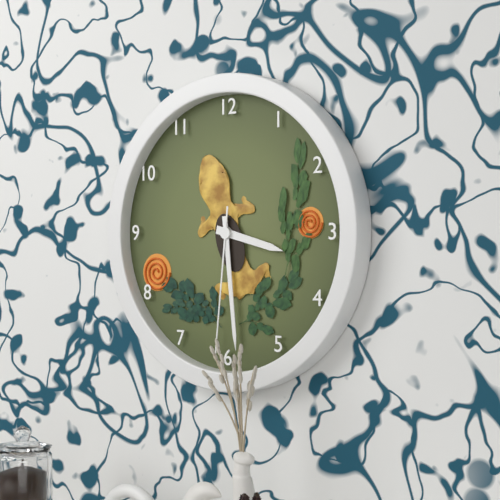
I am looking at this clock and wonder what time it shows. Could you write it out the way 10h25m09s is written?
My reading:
3h29m31s
